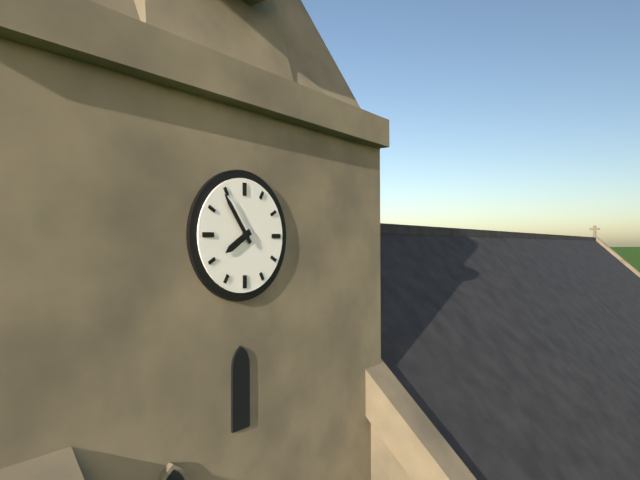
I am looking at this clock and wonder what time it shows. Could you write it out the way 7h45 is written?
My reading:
7h54
